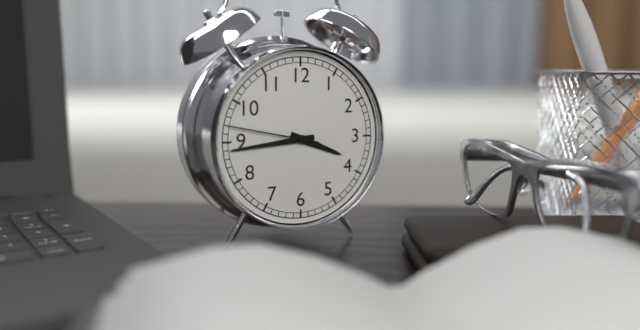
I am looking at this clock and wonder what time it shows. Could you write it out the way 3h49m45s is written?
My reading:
3h44m47s
